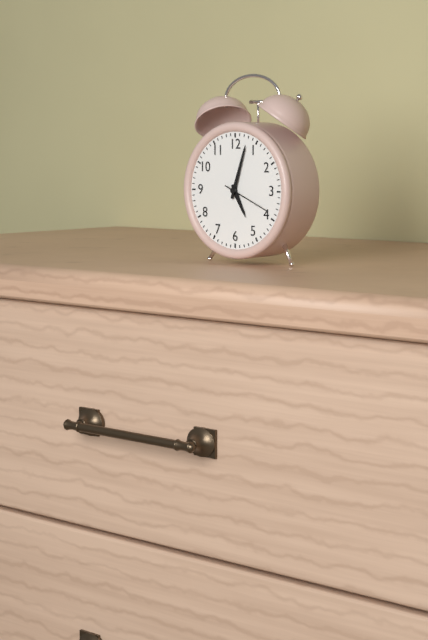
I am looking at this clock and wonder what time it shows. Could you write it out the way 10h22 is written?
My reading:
5h03
